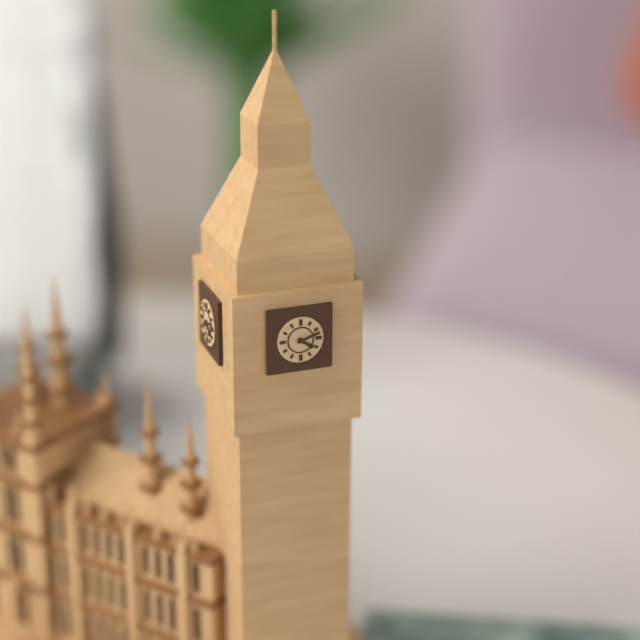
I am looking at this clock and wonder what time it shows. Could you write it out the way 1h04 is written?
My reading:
4h12
